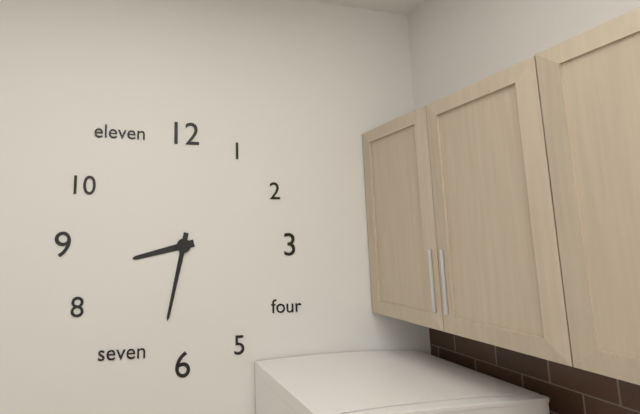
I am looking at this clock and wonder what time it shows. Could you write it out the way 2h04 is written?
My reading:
8h32
